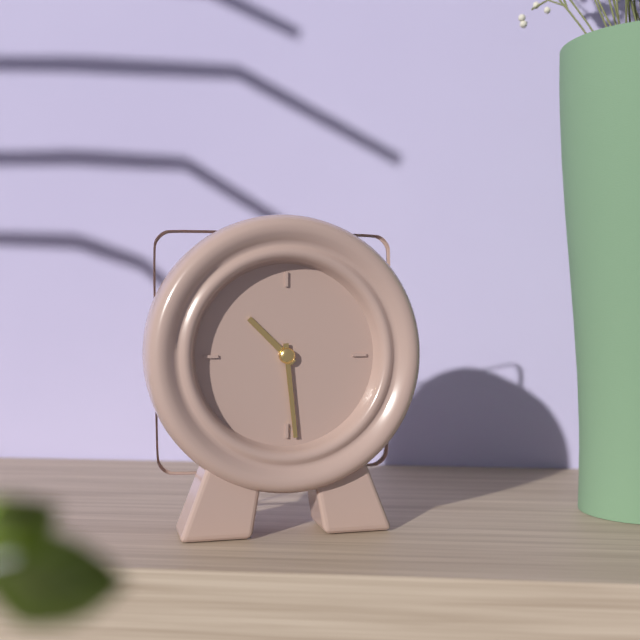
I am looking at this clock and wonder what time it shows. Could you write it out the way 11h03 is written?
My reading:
10h29
